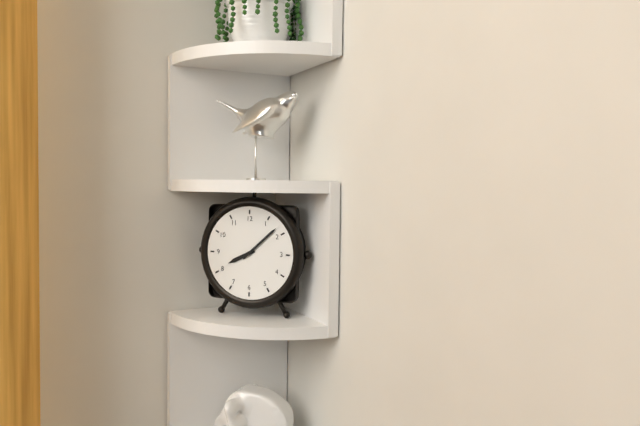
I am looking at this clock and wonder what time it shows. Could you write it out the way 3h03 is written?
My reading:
8h08
